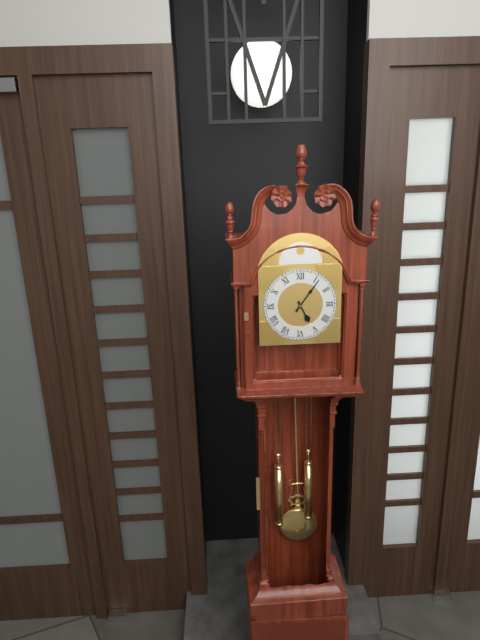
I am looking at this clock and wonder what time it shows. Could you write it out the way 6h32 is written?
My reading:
5h06
